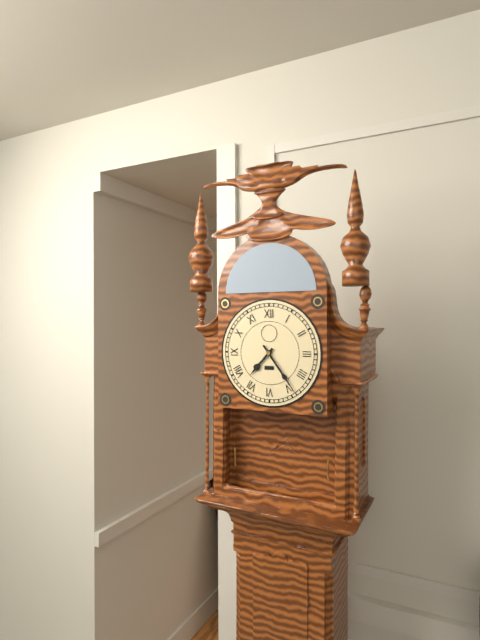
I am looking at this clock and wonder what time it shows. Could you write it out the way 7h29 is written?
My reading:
7h24
